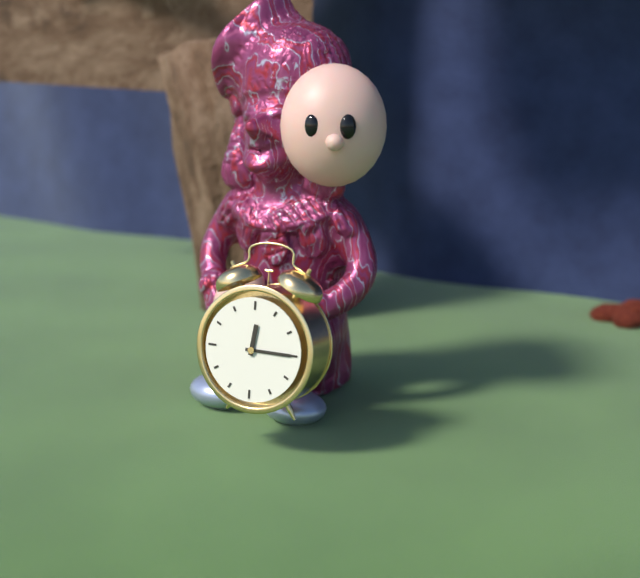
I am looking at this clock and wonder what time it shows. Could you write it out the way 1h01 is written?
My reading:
12h15
